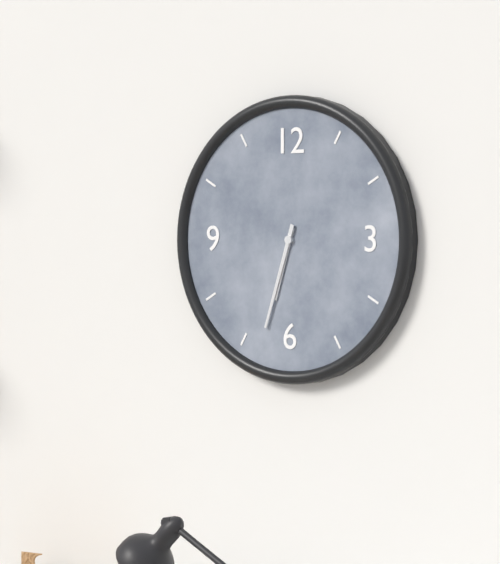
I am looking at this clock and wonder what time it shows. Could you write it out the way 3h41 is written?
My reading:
6h33
